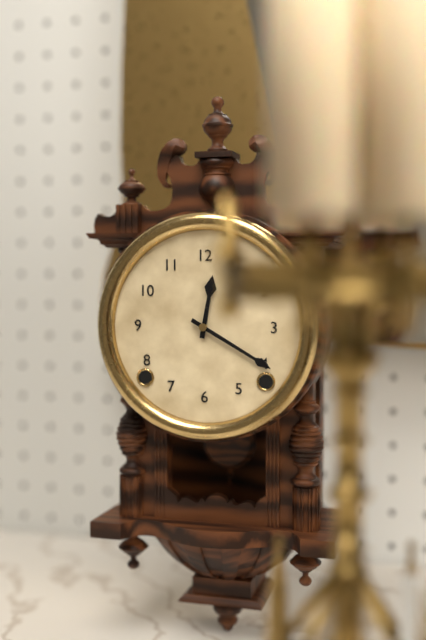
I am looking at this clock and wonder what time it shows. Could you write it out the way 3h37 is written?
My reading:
12h20
